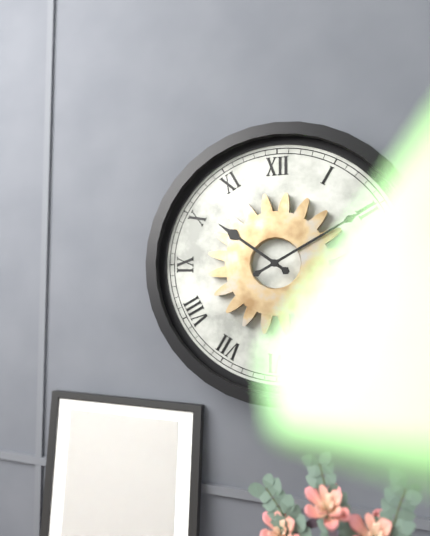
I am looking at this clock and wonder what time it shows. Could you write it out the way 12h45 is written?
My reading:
10h10
